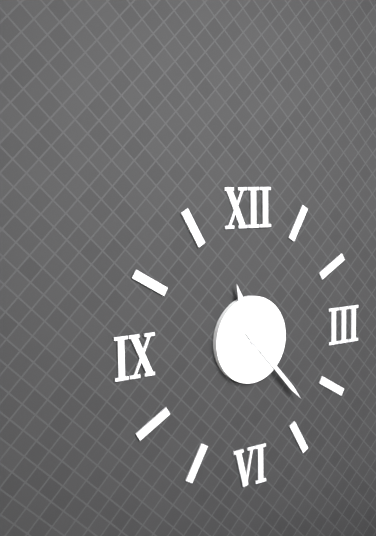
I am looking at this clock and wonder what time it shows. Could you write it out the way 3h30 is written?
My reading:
11h23
